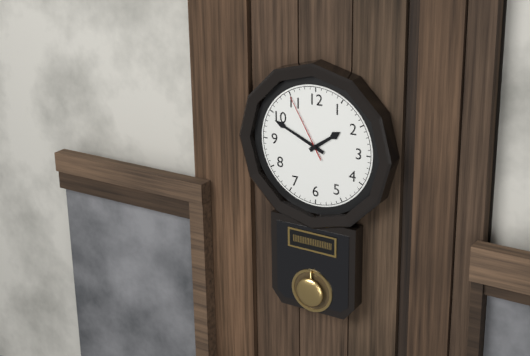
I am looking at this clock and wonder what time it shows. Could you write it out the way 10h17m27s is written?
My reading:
1h49m55s
